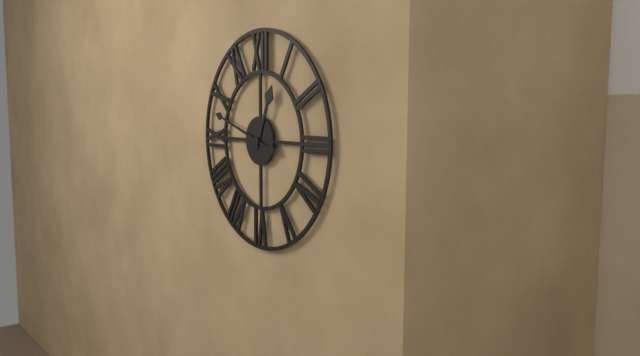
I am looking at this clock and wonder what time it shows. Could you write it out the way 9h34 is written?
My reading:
12h48
